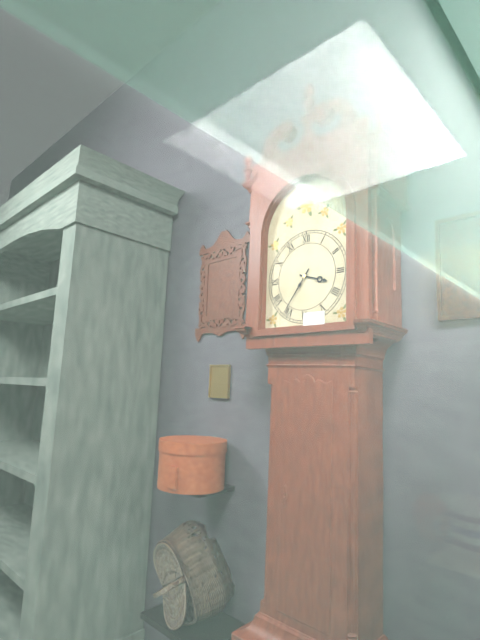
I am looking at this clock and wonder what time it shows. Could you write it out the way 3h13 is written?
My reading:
3h36
